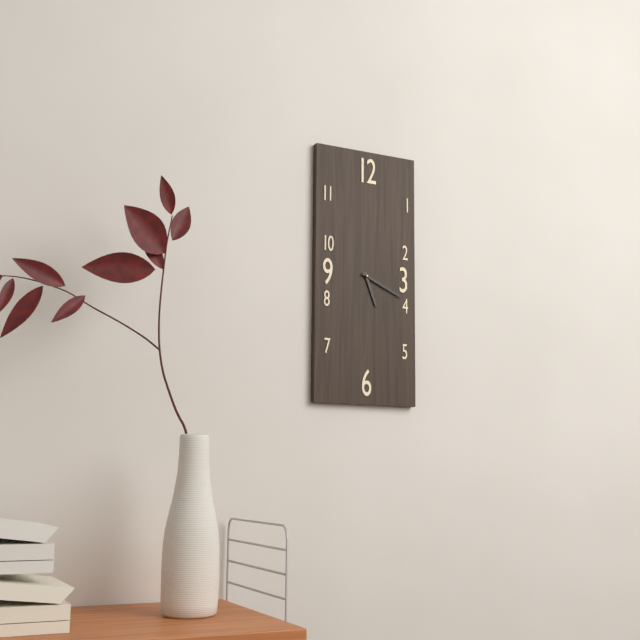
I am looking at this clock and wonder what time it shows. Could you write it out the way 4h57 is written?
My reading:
5h19
